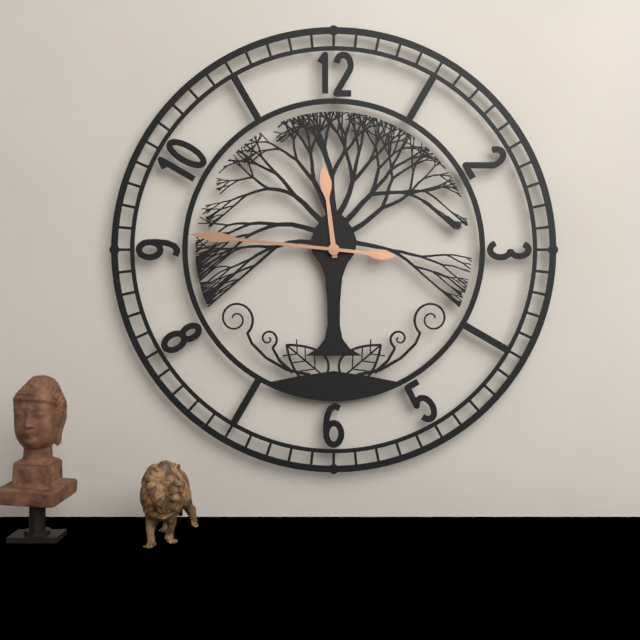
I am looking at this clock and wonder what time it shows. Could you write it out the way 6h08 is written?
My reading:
11h46
